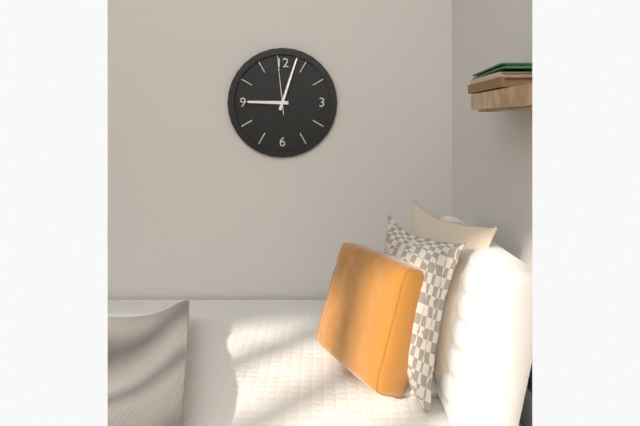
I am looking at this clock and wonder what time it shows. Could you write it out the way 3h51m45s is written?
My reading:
9h03m59s
